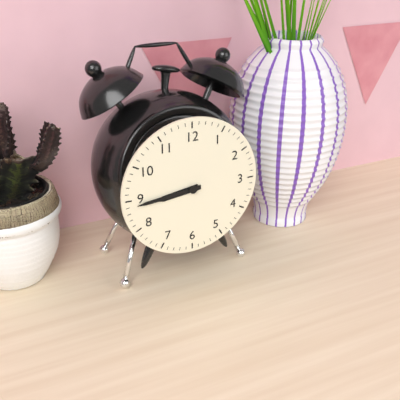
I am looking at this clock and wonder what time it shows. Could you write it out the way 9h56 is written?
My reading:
8h44
